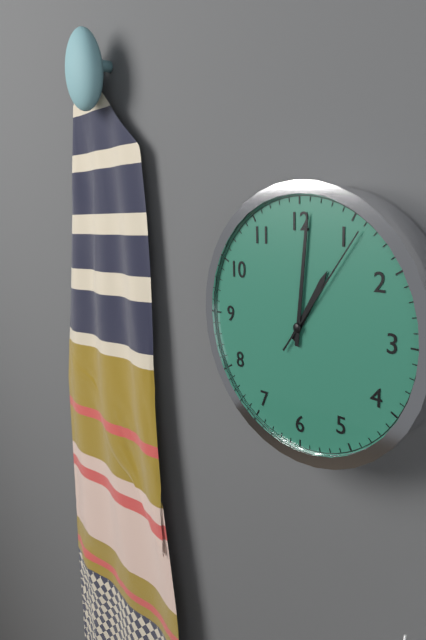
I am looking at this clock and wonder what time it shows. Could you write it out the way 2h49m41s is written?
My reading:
1h01m06s
